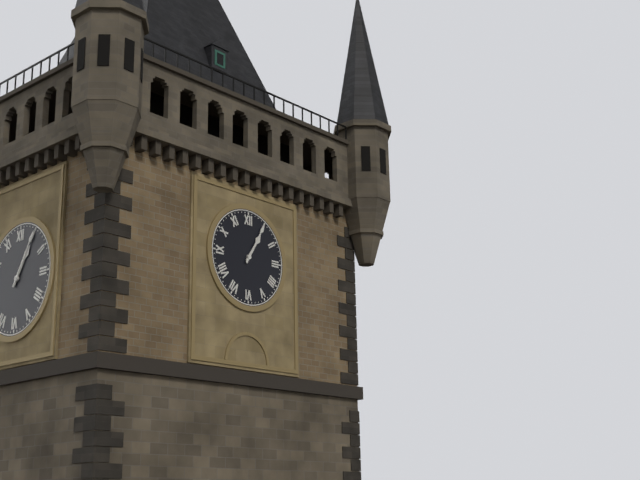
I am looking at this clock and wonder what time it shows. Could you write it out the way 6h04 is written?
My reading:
1h05
